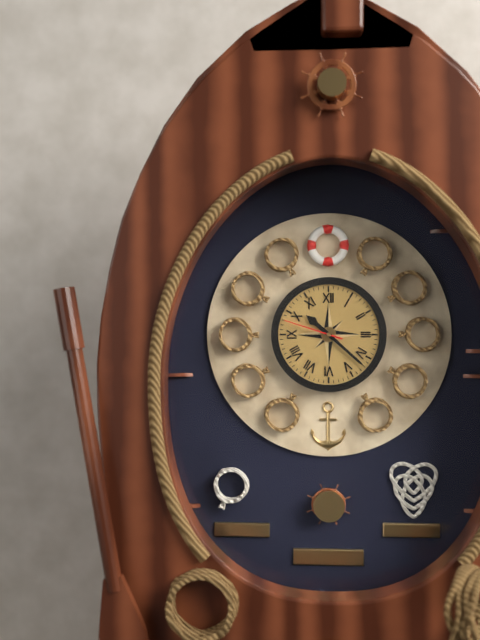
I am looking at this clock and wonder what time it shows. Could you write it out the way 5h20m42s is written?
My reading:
10h22m48s
